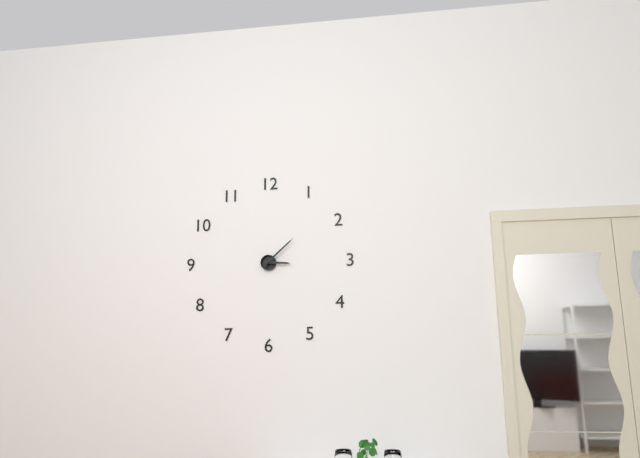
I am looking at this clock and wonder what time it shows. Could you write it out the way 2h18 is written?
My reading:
3h08
